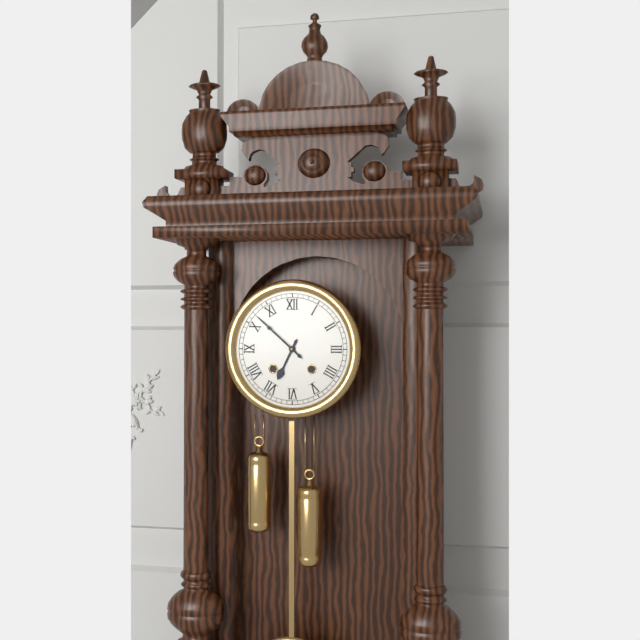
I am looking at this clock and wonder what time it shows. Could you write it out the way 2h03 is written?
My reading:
6h52
